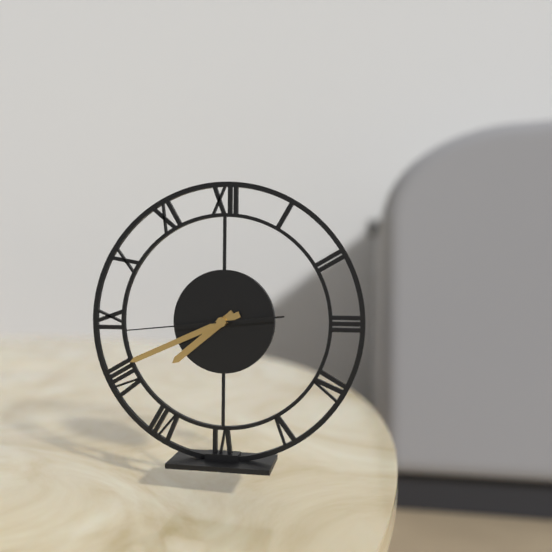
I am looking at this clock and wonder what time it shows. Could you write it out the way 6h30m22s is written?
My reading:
7h41m44s
